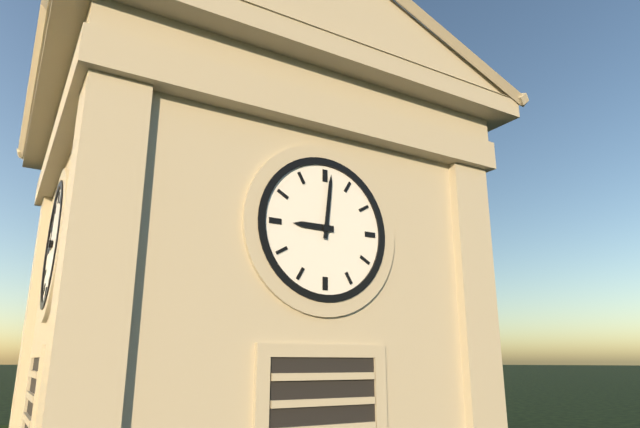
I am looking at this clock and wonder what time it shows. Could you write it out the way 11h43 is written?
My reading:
9h01
